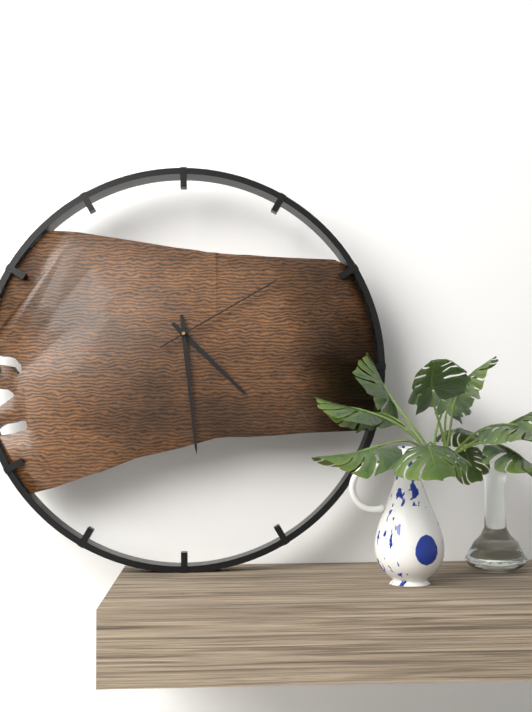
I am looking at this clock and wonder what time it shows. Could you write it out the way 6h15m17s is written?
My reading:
4h29m10s
